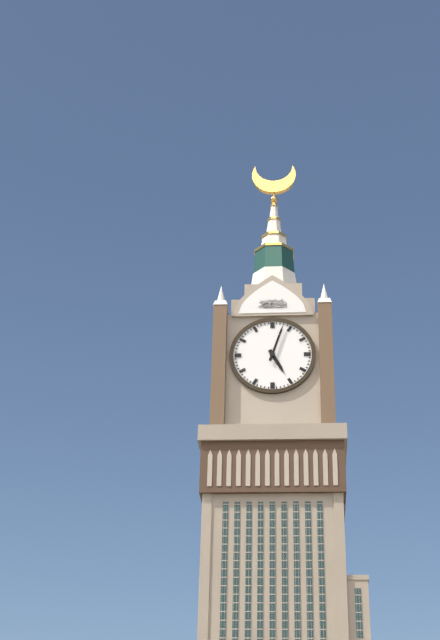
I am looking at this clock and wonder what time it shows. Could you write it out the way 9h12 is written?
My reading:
5h03
